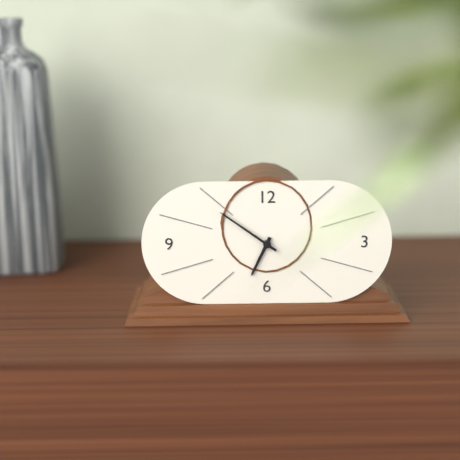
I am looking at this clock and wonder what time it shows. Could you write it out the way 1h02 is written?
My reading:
6h51
